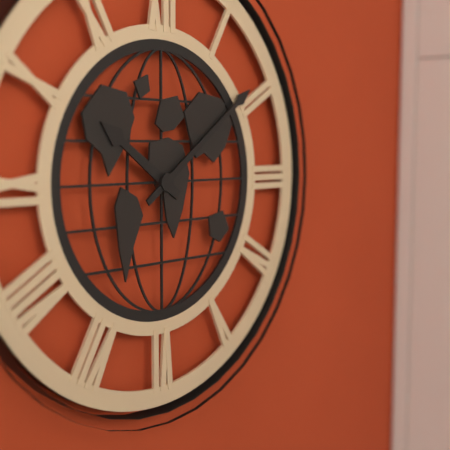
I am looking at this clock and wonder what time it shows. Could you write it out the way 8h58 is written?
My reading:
10h09
